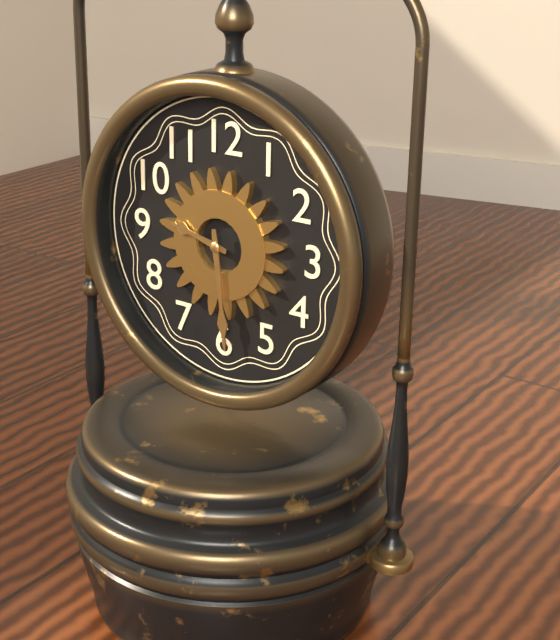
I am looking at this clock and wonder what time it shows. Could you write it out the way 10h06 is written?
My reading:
9h29
